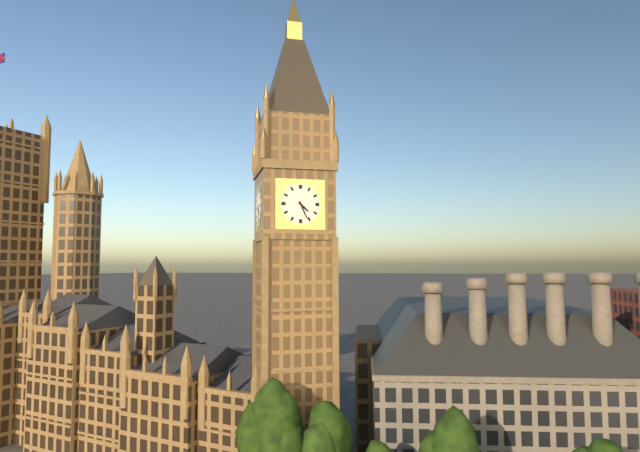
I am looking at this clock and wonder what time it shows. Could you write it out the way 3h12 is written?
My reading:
4h26
